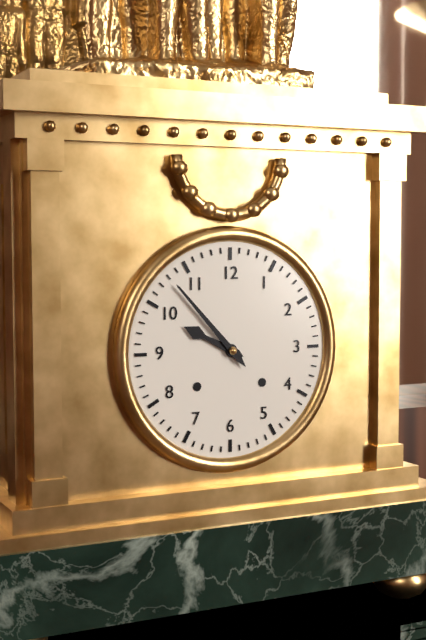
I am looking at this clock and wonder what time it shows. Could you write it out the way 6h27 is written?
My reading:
9h53
